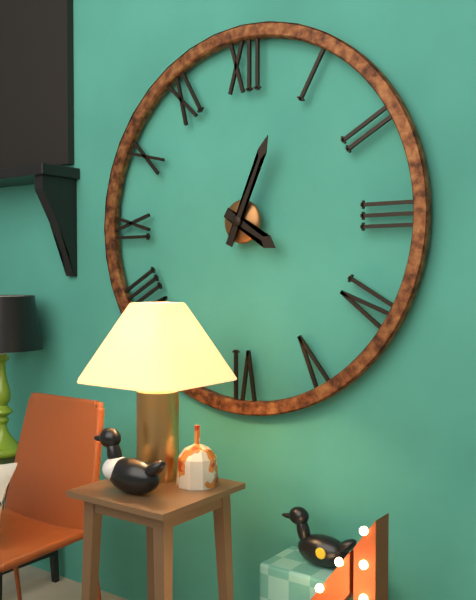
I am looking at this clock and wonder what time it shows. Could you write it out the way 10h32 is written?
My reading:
4h04
